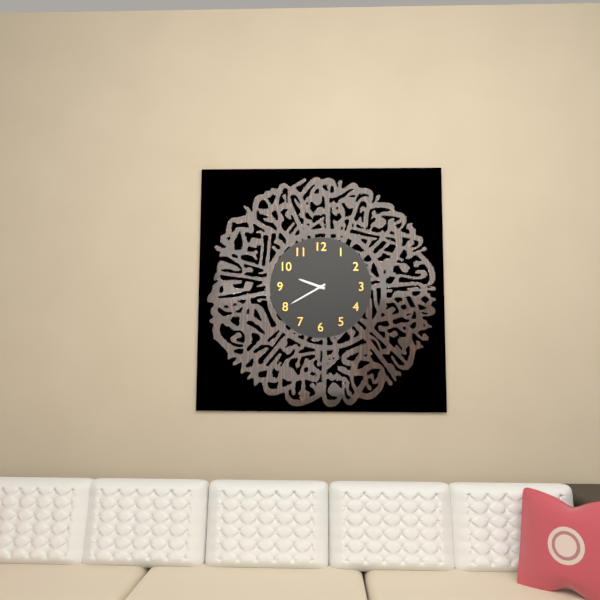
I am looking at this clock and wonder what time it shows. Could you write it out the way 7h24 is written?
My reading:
9h40
